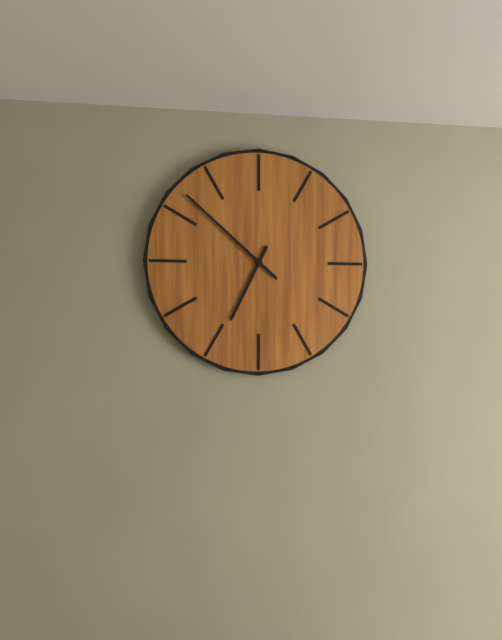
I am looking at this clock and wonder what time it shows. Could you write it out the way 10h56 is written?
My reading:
6h52
